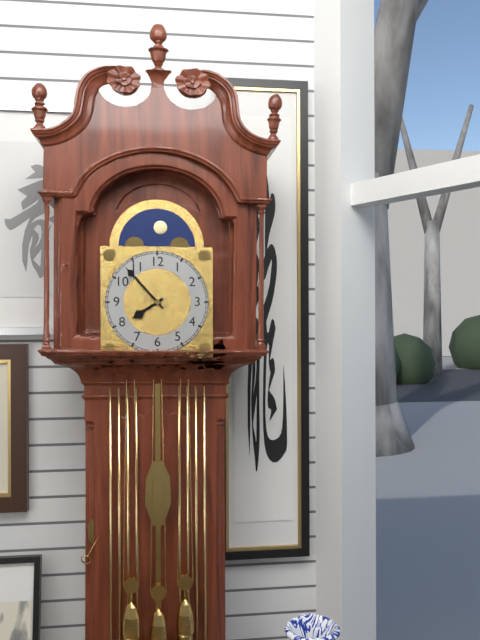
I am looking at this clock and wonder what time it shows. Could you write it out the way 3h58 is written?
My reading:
7h53
